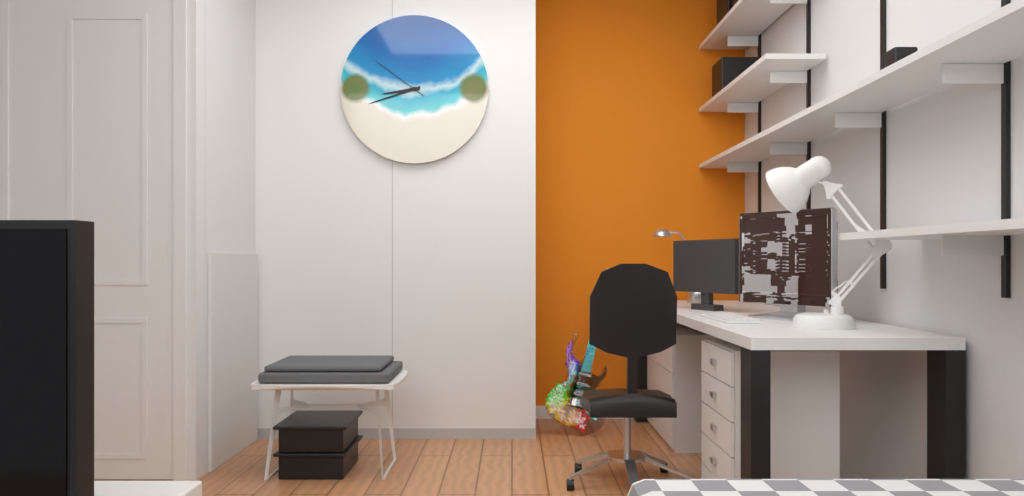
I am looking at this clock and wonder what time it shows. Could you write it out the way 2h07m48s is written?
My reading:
8h42m51s
